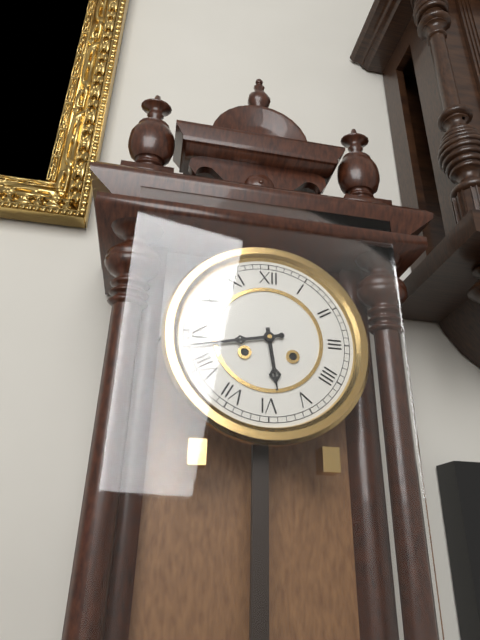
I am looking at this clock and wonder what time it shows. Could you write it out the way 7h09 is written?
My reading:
5h43
